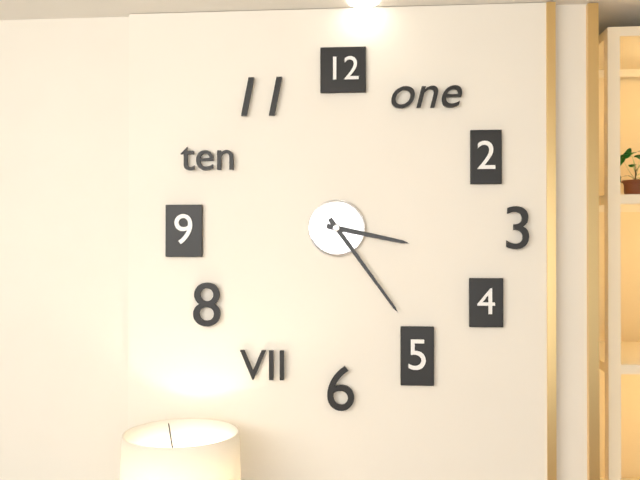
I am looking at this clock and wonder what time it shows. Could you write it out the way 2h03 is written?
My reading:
3h24
